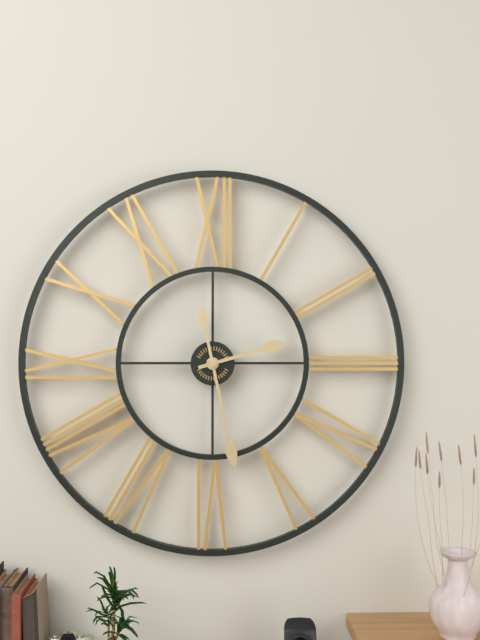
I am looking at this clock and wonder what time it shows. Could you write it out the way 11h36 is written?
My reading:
2h28
